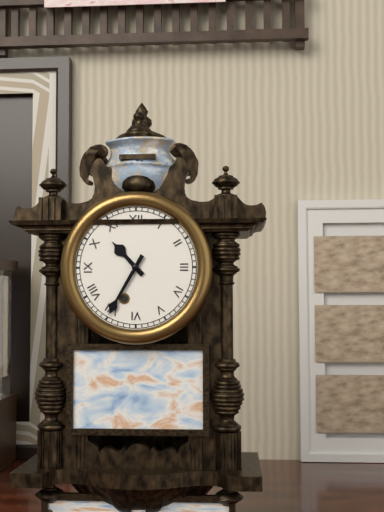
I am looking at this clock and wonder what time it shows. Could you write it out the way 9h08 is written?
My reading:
10h35
